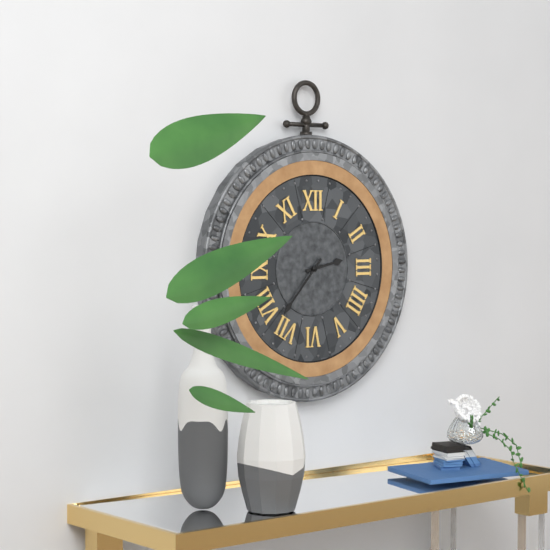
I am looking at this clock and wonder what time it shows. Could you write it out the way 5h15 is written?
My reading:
2h37
